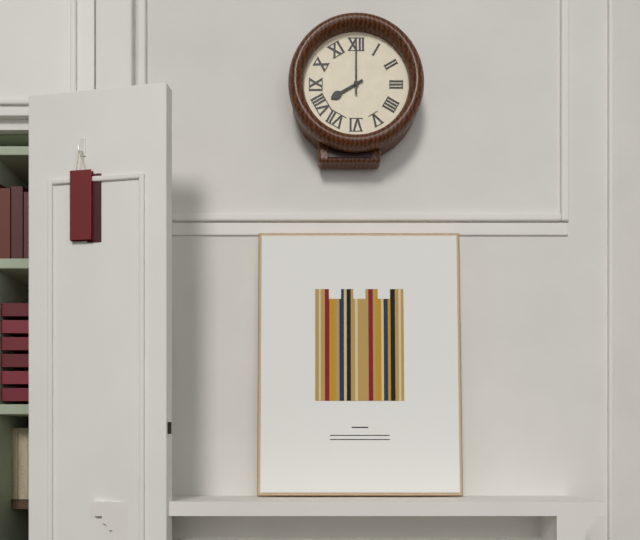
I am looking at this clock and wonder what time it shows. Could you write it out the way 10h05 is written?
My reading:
8h00
